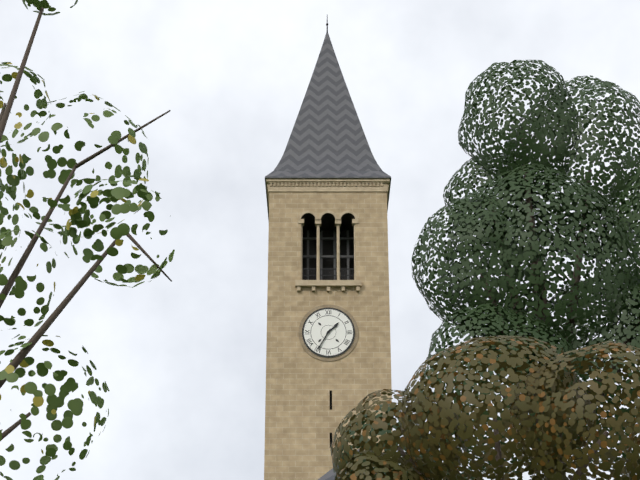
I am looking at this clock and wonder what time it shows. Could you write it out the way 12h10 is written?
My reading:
1h35
